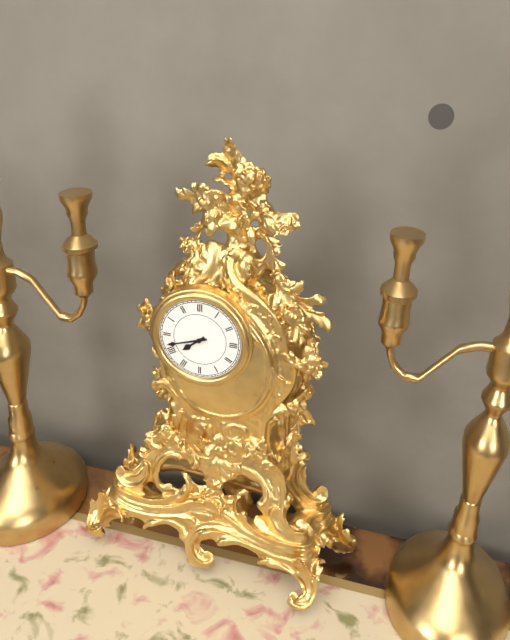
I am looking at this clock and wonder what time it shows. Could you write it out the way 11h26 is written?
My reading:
7h42
